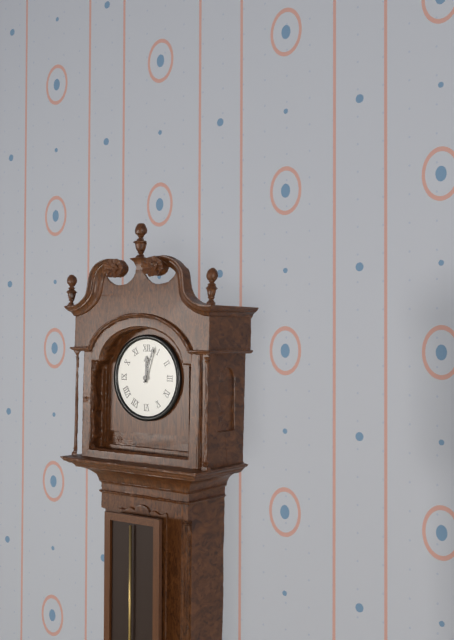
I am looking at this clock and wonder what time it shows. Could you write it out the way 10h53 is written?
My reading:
12h03
